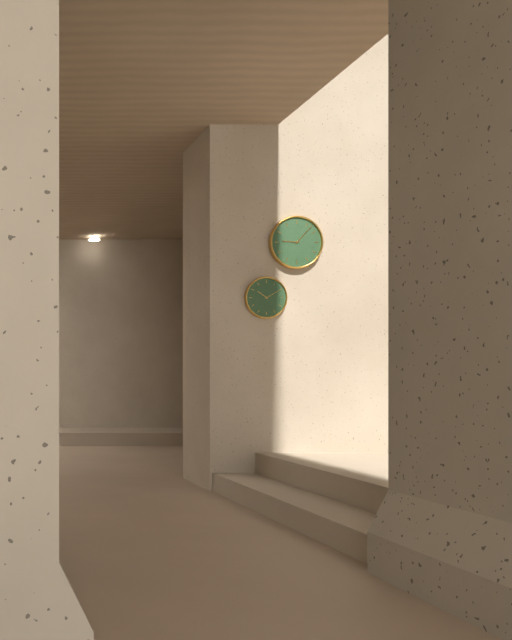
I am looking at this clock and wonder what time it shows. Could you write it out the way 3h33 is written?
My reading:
9h07
